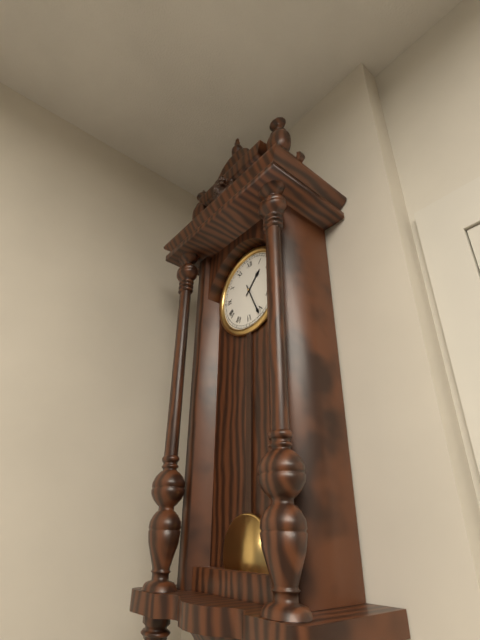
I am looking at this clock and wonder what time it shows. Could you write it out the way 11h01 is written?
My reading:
1h26
